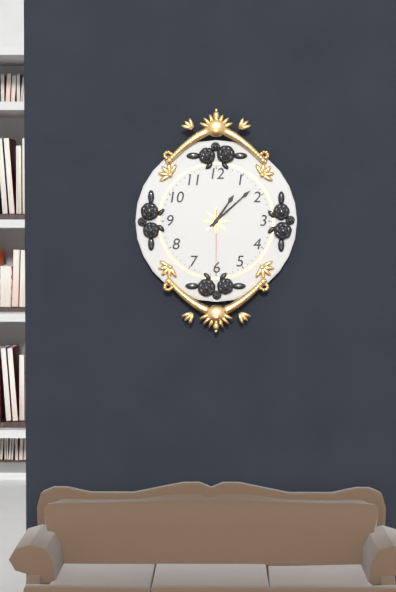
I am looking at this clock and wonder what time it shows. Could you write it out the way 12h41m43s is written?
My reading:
1h08m30s
